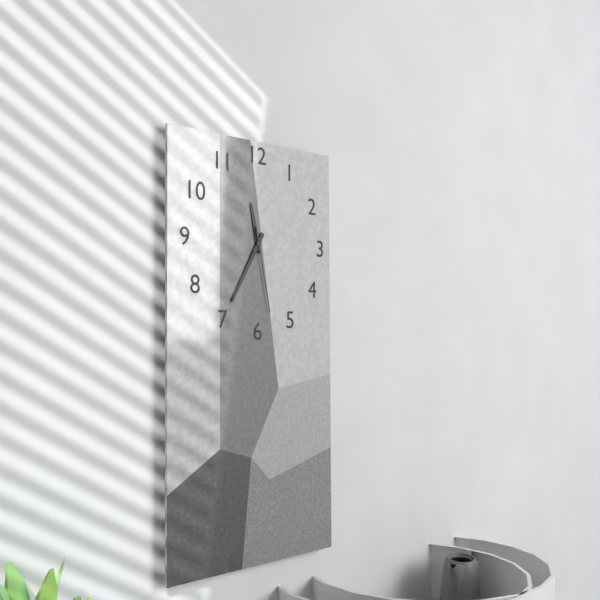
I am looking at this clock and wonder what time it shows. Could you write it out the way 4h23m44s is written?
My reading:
11h35m28s
